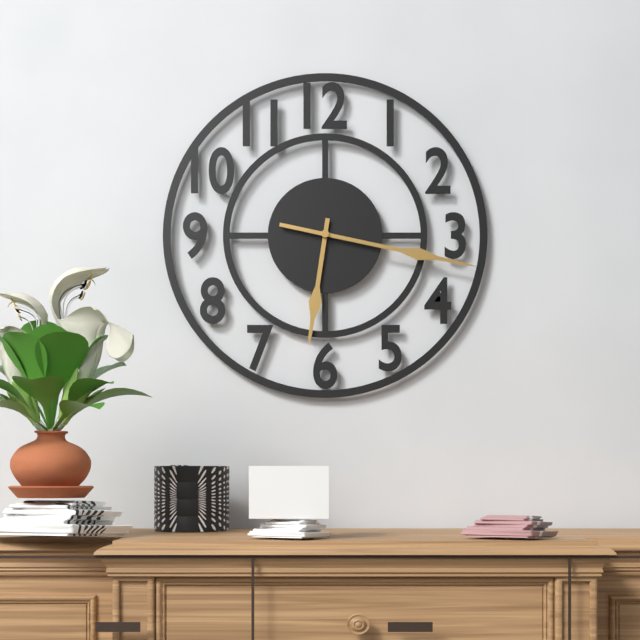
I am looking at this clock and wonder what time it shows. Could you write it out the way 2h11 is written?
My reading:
6h17
